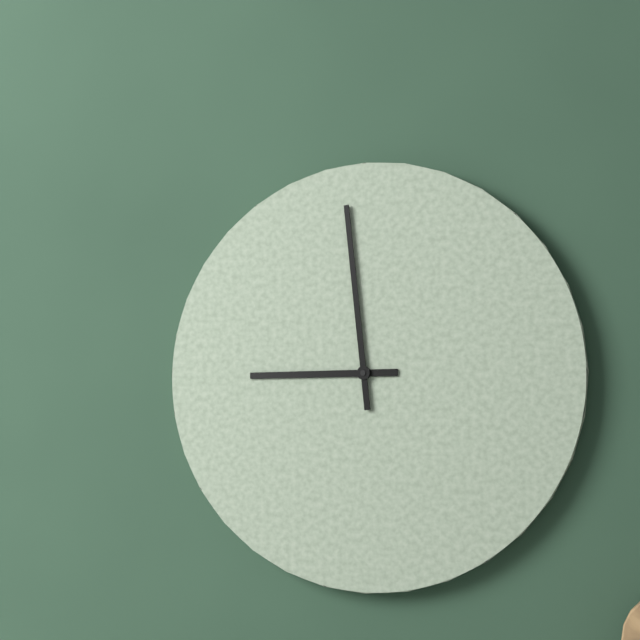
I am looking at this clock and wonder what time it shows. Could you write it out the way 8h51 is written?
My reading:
8h59
